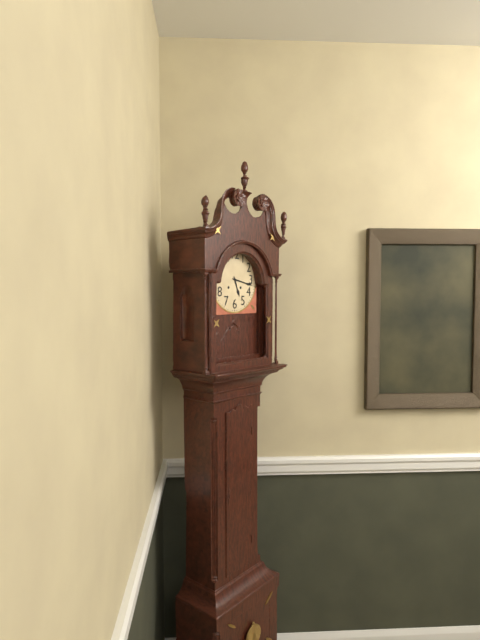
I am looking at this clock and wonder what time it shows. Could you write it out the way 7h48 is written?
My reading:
5h17
